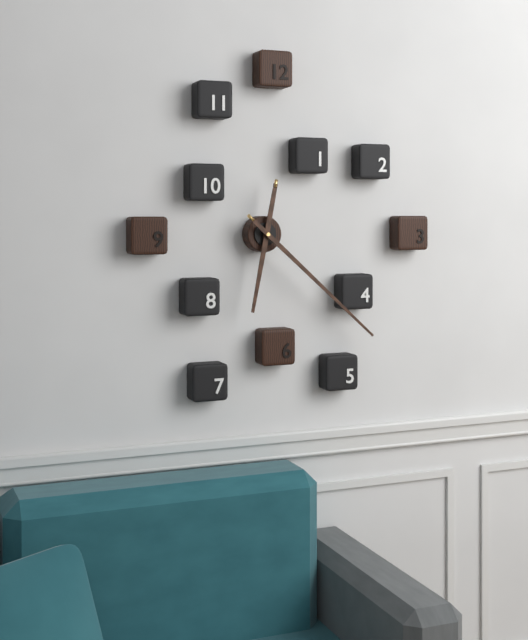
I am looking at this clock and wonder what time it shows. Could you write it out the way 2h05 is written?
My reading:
6h22
